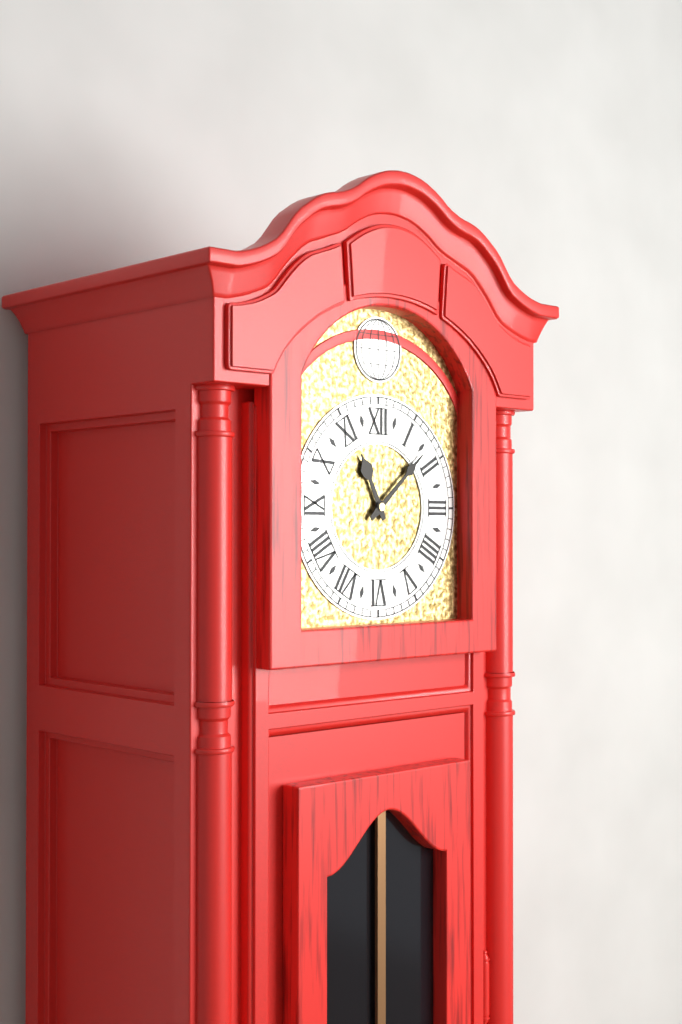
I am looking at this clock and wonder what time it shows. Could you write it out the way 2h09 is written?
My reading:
11h08
